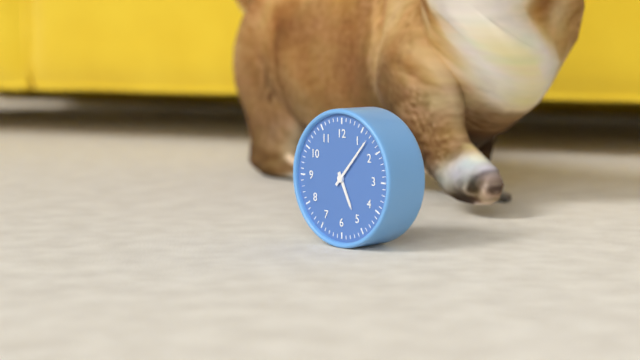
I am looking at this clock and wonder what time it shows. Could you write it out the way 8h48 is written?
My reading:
5h07
